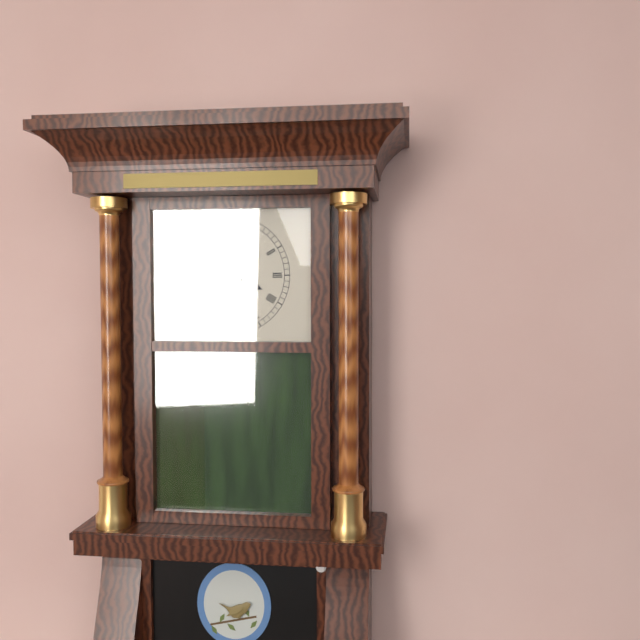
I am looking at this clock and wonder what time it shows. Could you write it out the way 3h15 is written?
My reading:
3h49
